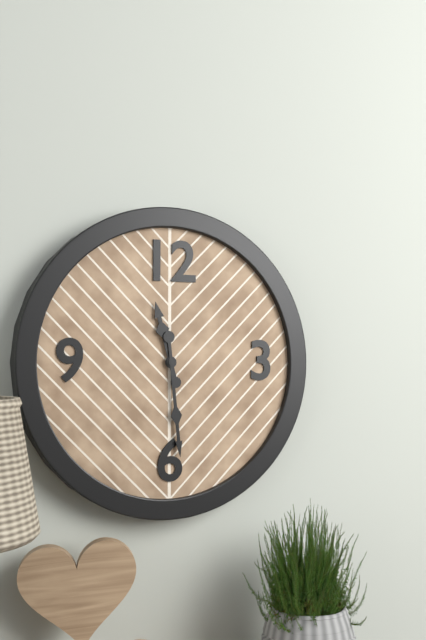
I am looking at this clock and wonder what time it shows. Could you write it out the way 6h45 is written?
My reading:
11h29
